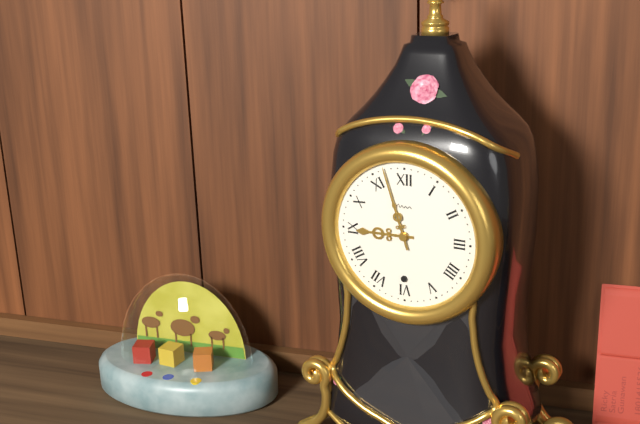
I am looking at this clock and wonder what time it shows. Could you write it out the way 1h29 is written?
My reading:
8h57
